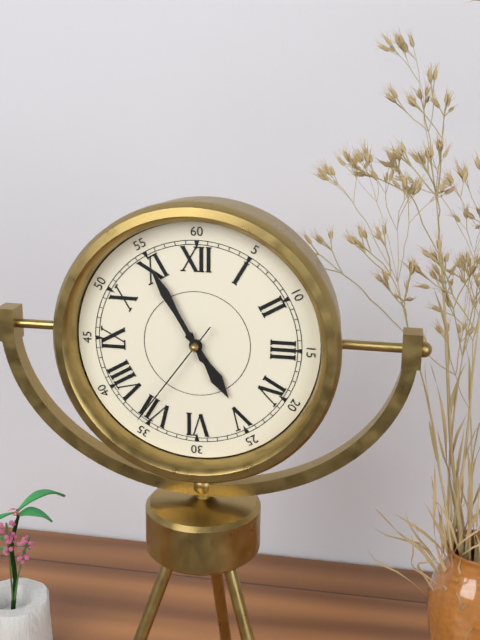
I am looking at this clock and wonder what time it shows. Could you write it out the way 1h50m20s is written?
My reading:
4h55m36s
